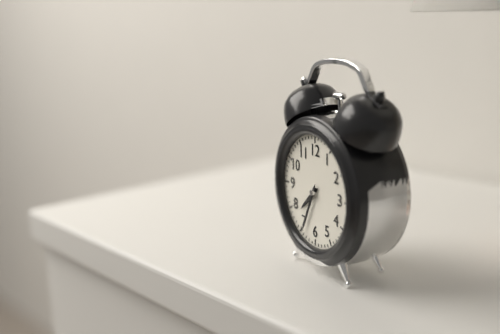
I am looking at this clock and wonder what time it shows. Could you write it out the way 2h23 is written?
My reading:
7h34
